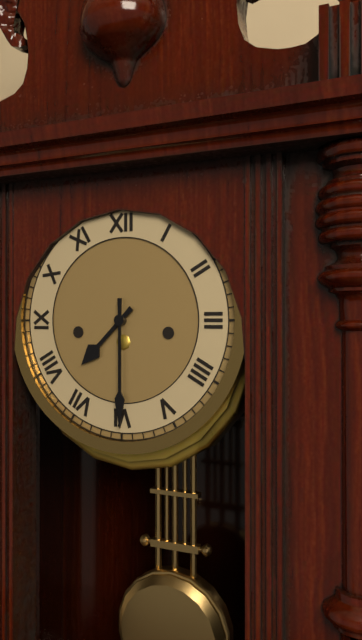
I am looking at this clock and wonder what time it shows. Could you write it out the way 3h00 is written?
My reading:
7h30
